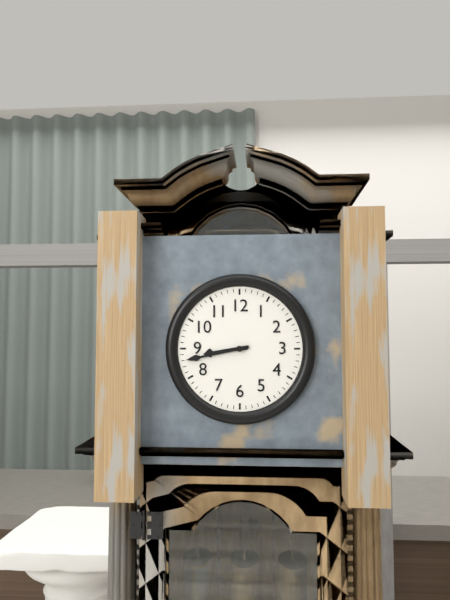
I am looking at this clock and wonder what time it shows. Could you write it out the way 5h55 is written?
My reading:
8h43
